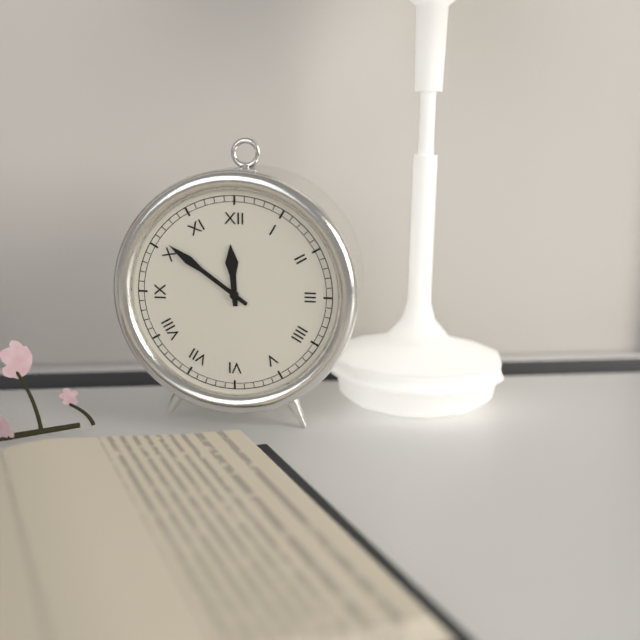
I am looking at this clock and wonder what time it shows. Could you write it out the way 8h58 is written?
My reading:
11h51
